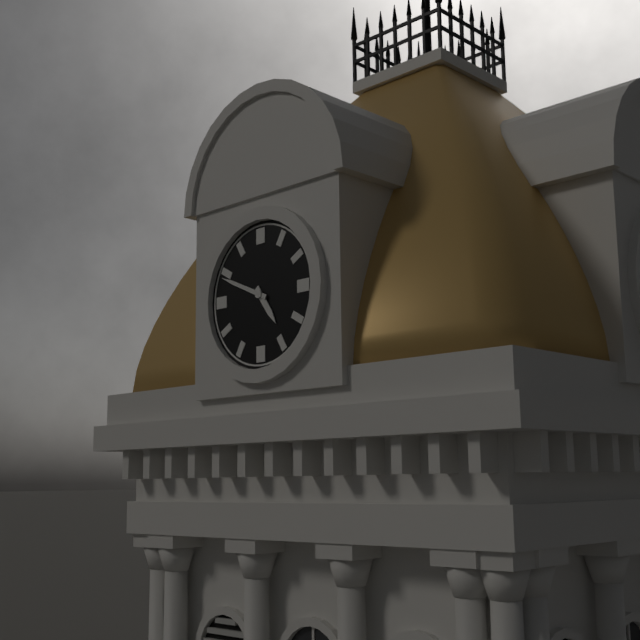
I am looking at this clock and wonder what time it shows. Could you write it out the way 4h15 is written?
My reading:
4h49
